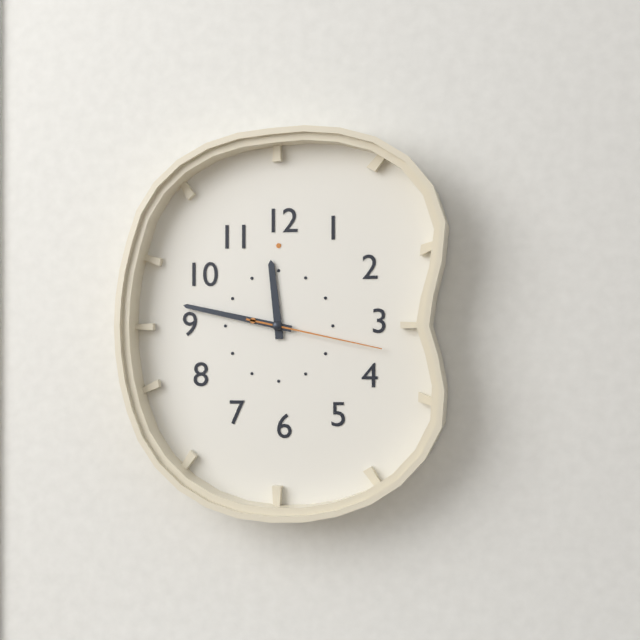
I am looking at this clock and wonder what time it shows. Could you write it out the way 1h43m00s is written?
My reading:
11h47m17s
